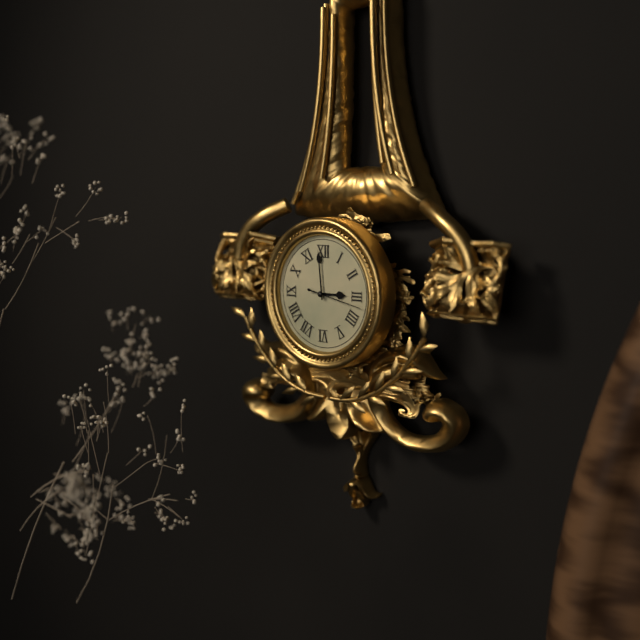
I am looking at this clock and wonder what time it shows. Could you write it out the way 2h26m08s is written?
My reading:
2h59m17s
